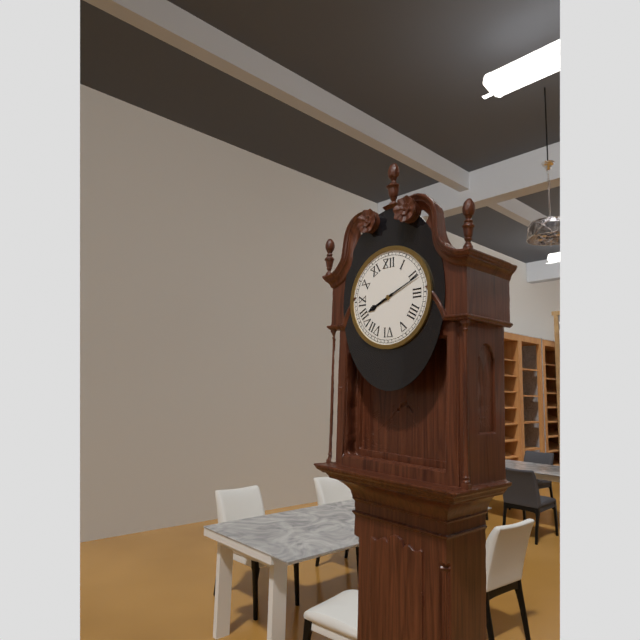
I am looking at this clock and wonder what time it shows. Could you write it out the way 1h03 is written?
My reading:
8h11
